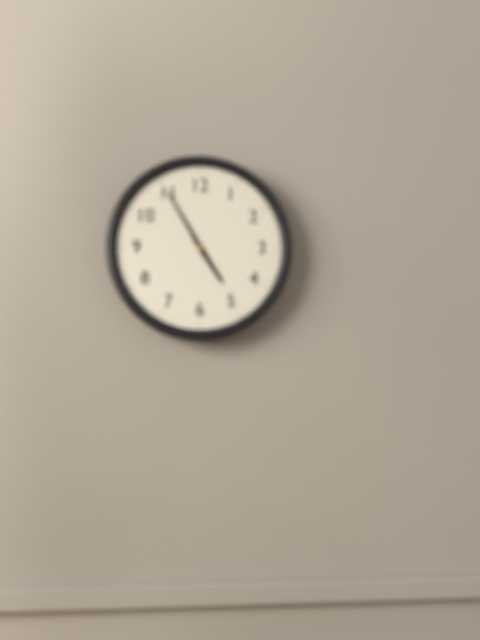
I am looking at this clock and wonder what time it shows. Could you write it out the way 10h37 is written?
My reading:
4h55
